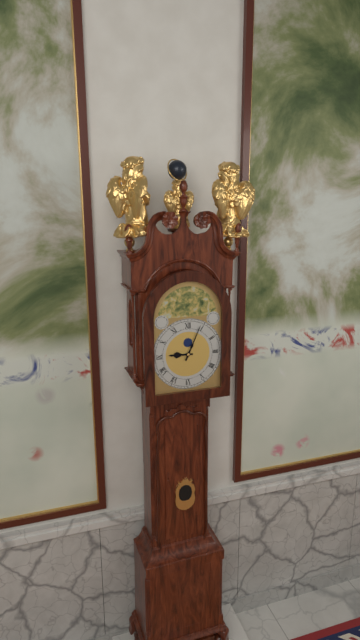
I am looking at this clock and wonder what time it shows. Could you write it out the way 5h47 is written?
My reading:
9h04
